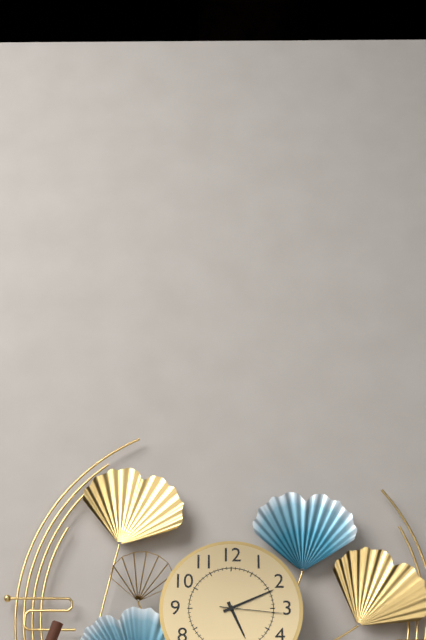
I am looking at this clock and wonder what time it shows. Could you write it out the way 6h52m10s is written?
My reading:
5h11m16s
